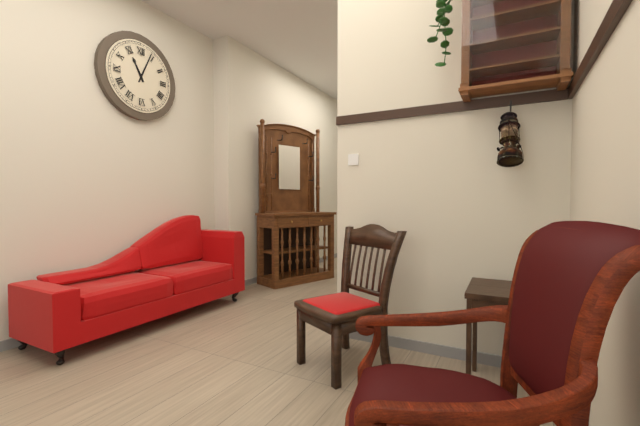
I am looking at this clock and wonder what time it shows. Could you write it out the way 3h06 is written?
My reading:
11h04
